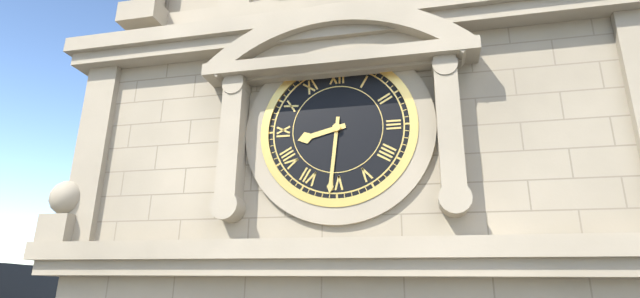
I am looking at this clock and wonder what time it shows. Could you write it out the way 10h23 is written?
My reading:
8h31
